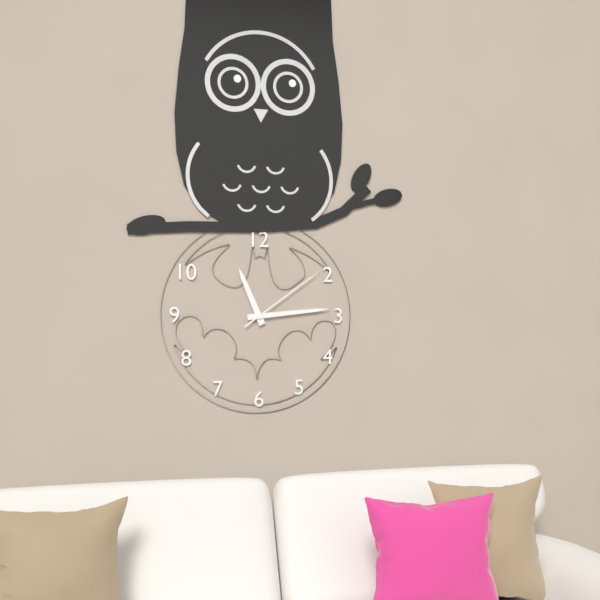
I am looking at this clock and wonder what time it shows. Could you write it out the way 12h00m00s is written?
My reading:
11h14m09s
